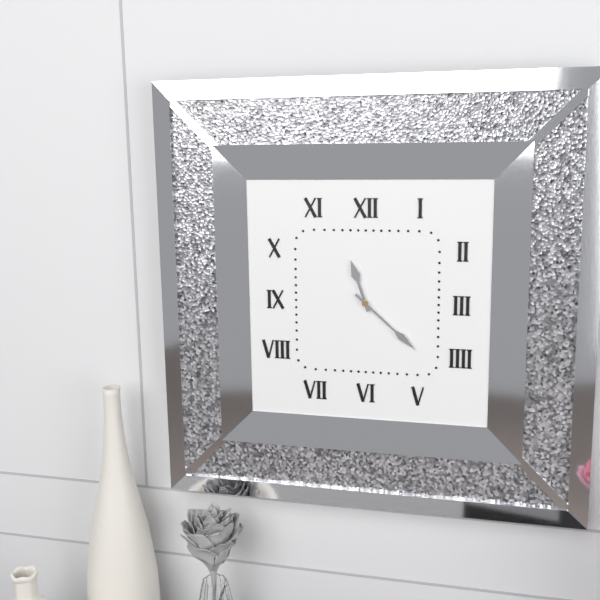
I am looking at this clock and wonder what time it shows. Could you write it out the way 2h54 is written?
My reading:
11h22
